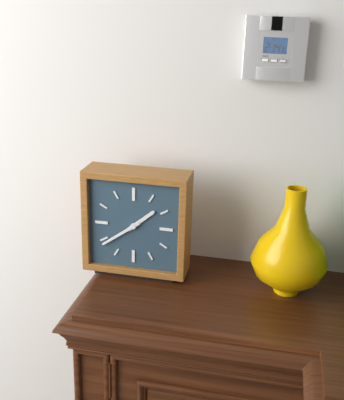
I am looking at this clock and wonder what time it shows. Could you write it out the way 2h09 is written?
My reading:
1h39
